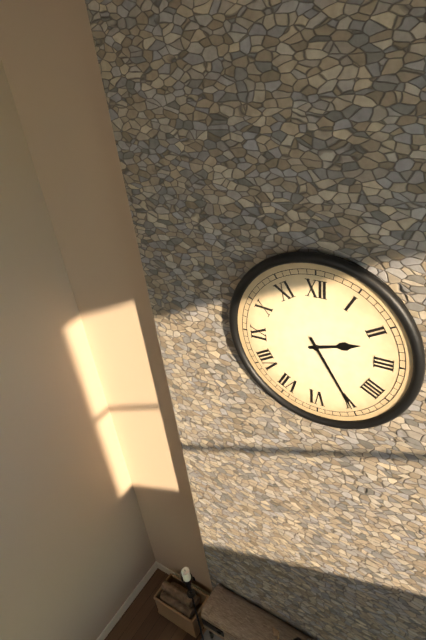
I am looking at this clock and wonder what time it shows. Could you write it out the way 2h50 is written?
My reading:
2h25
